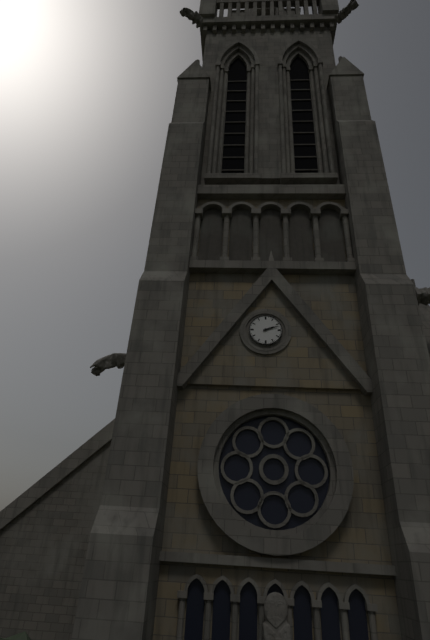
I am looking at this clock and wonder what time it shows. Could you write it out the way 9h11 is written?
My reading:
2h12
